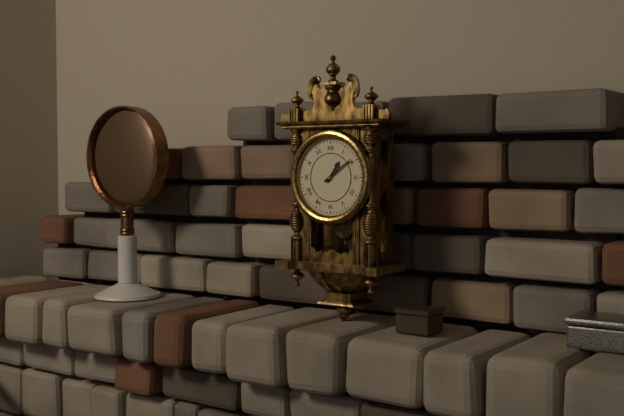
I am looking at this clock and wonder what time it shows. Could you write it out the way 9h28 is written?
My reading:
1h09
